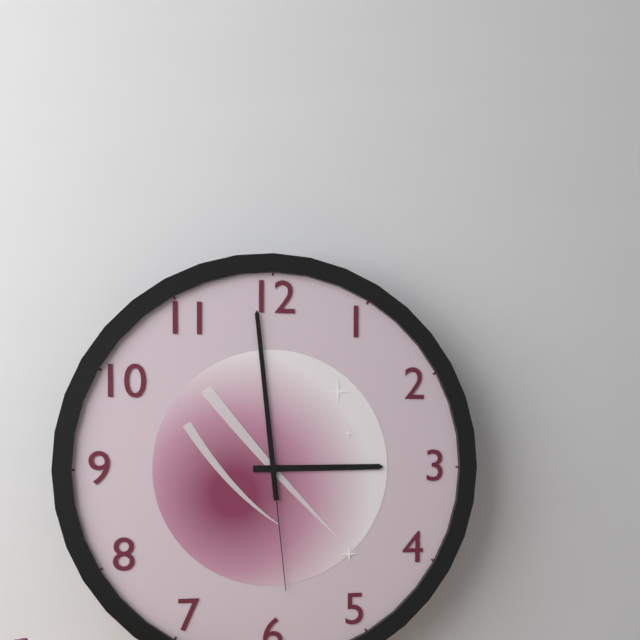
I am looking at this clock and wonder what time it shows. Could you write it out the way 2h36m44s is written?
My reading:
2h59m29s
